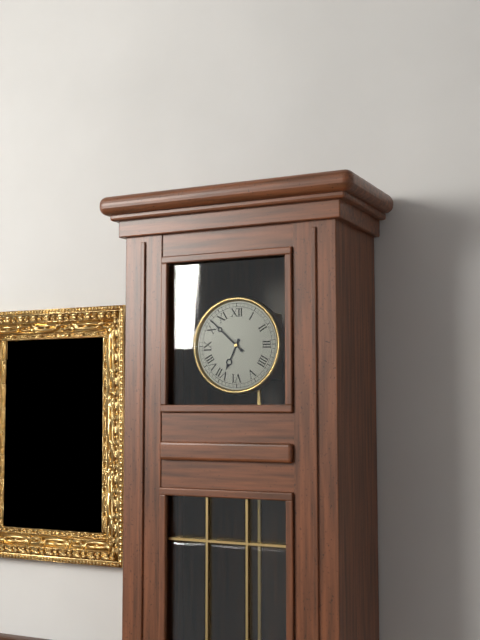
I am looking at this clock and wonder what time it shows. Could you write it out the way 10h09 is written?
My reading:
6h52
